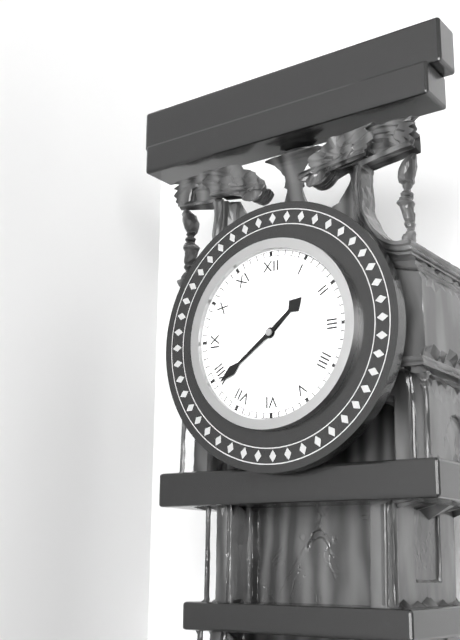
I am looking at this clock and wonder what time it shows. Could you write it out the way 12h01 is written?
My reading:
1h39
